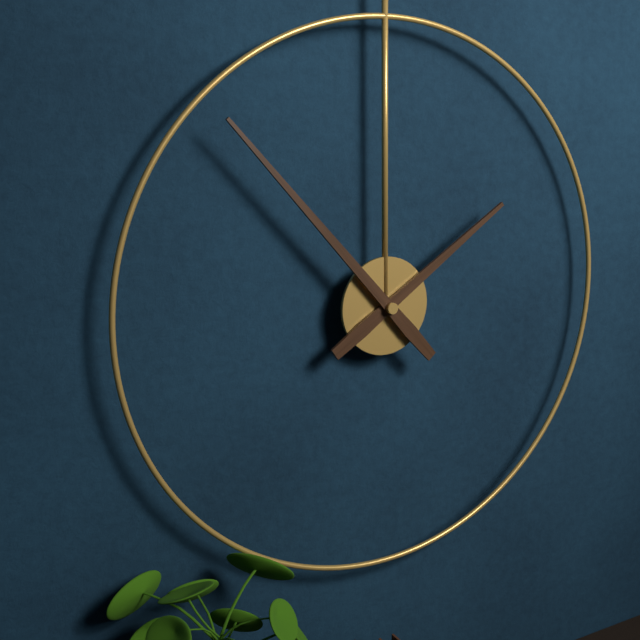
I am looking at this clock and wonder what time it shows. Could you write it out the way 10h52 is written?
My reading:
1h53
